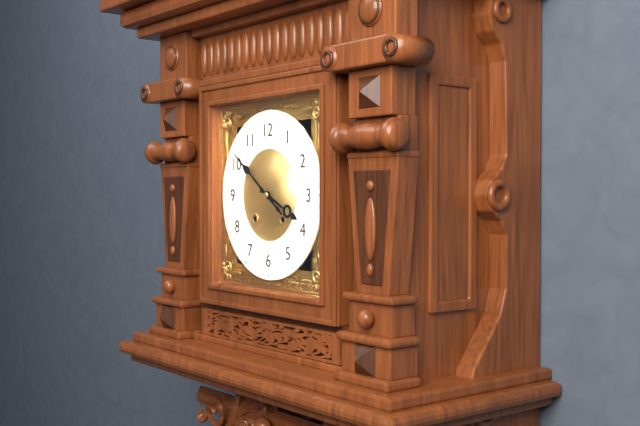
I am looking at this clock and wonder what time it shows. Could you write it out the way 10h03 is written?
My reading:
3h51
